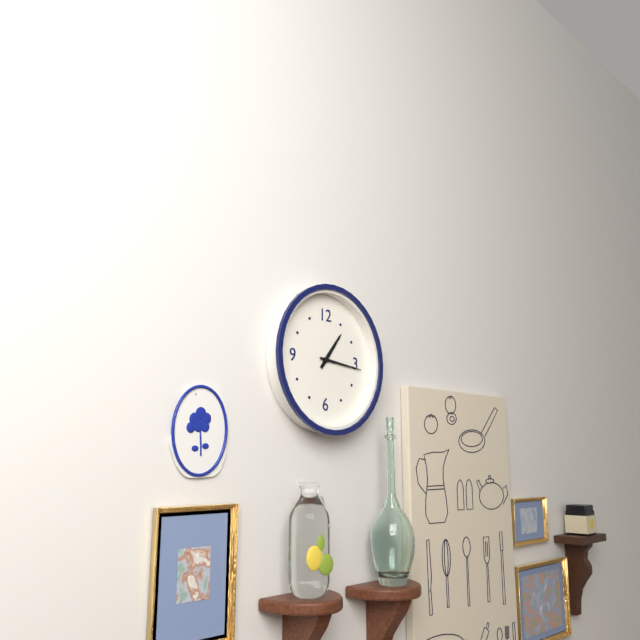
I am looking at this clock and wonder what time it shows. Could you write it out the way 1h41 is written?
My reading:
1h16
